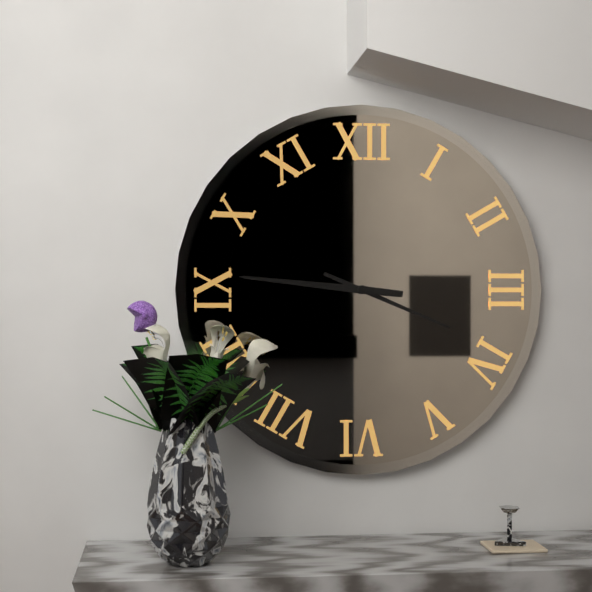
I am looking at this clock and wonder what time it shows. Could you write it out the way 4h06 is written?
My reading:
3h46
